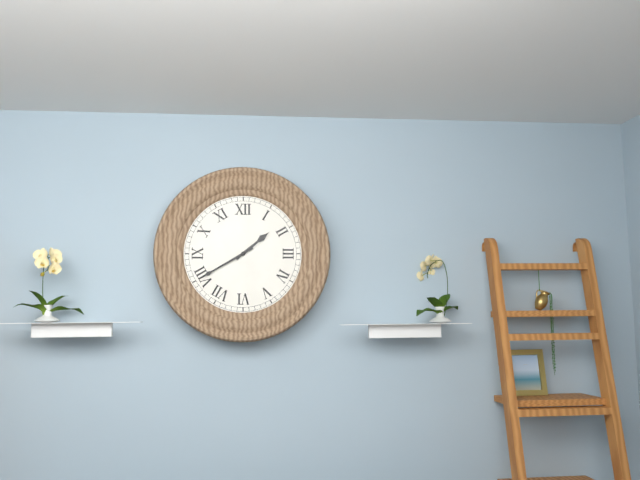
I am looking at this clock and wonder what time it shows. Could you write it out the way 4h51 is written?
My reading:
1h40
